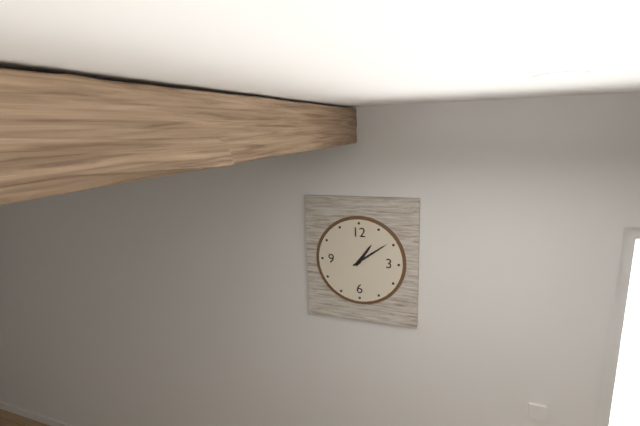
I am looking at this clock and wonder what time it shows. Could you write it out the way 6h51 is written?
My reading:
1h09
